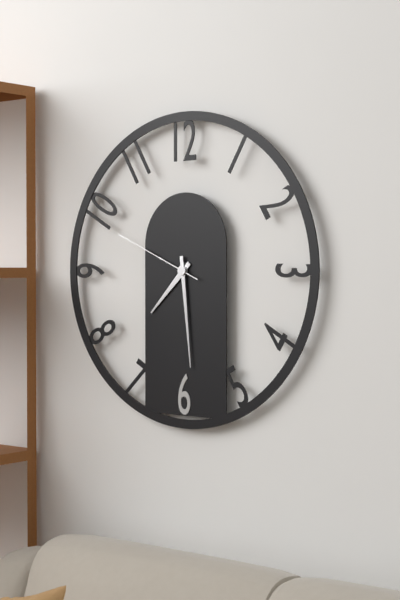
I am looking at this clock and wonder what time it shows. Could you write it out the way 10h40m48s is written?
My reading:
7h29m49s
